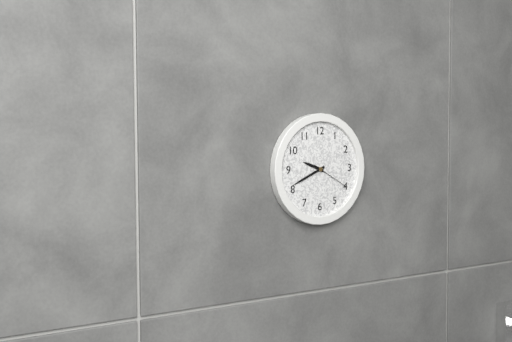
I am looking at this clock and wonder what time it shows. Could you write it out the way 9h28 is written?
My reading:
9h41
